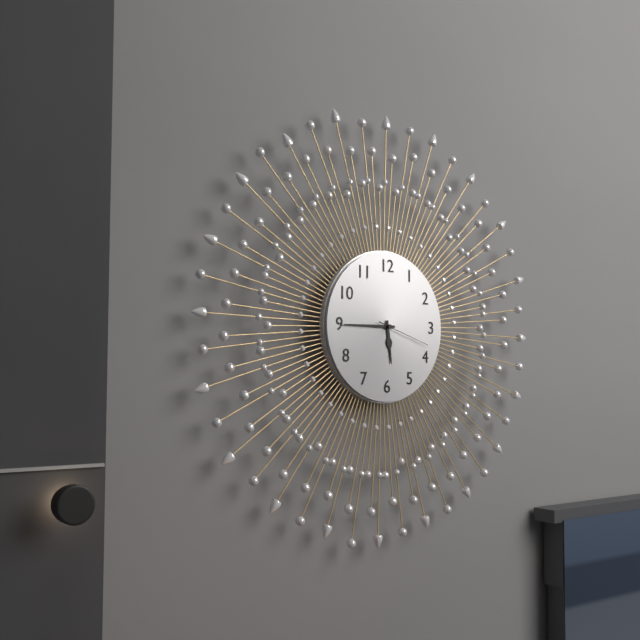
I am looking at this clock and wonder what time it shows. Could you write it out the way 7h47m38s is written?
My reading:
5h45m18s
